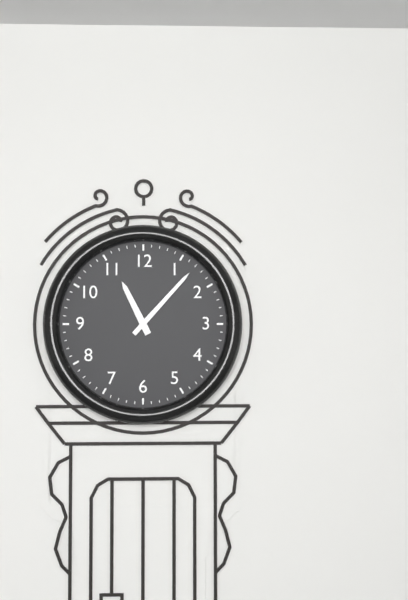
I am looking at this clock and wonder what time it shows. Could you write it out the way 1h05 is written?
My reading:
11h07
